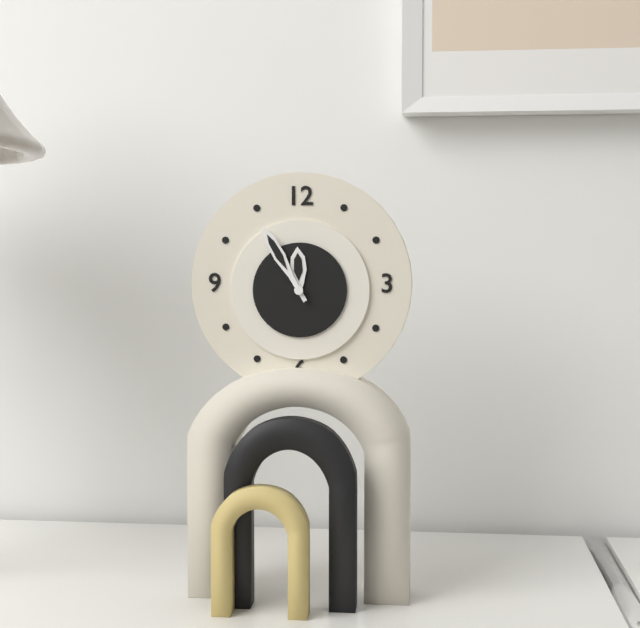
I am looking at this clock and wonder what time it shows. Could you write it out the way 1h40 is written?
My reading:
11h55
